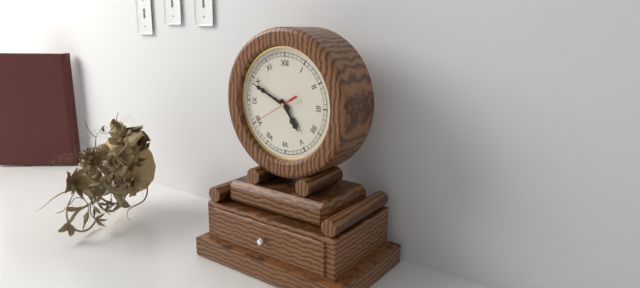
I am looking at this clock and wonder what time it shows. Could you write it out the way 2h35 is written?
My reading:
4h49
